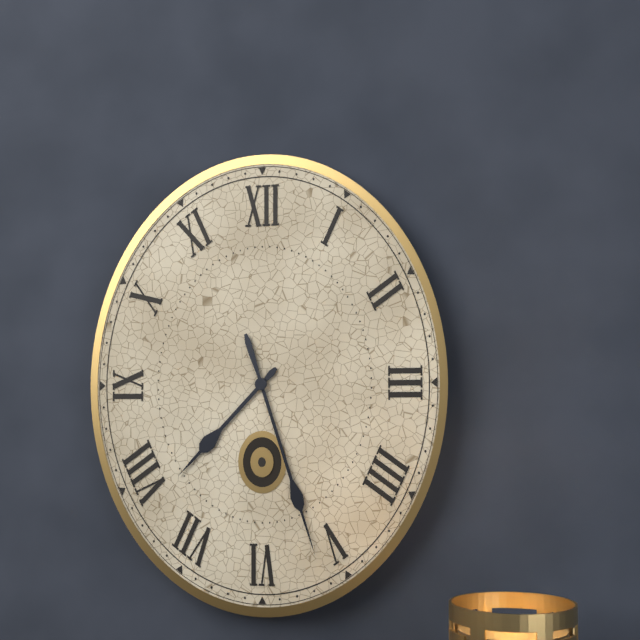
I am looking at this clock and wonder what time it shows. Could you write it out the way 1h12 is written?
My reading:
7h27
